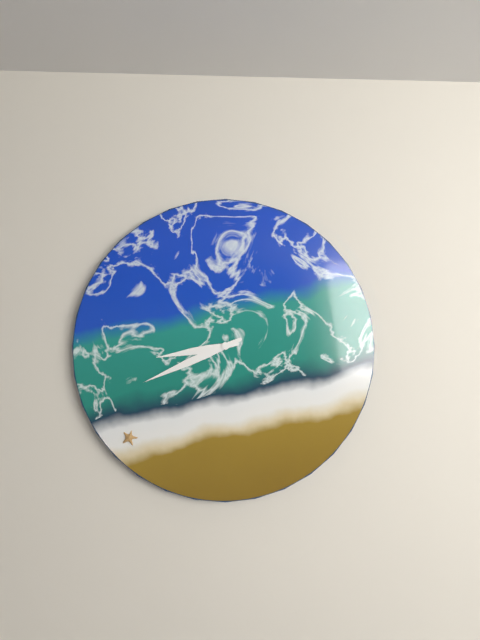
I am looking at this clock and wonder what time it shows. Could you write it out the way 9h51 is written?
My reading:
8h41
